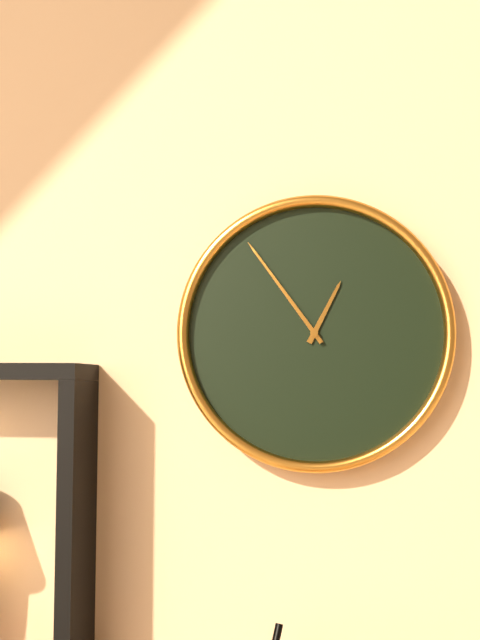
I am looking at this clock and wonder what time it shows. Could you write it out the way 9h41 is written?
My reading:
12h54
